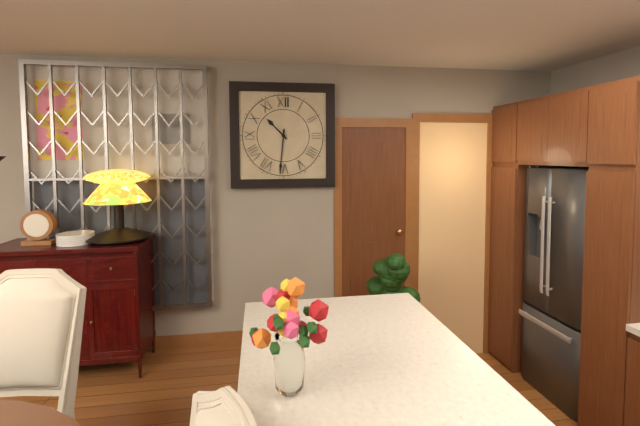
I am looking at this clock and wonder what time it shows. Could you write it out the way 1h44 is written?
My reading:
10h31
